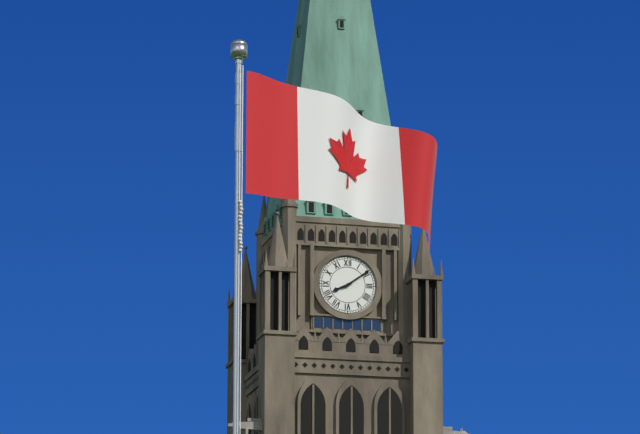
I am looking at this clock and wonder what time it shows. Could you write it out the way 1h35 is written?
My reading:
8h09
